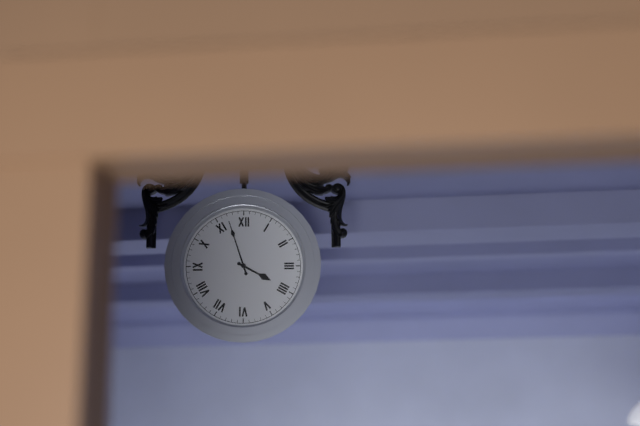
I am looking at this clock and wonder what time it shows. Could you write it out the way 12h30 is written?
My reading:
3h57
